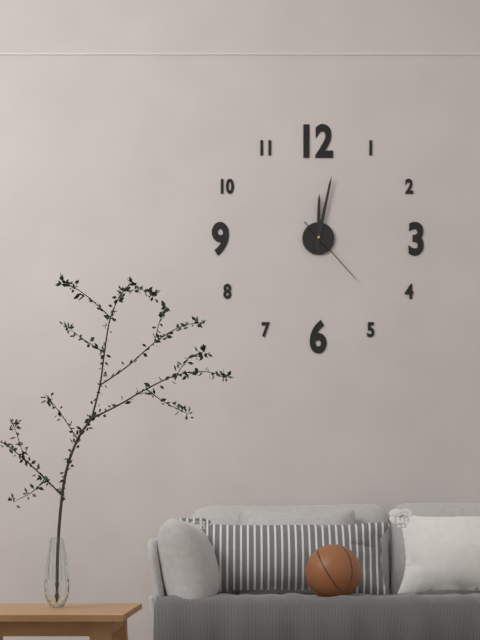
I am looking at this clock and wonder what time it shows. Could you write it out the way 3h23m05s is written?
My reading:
12h02m23s
